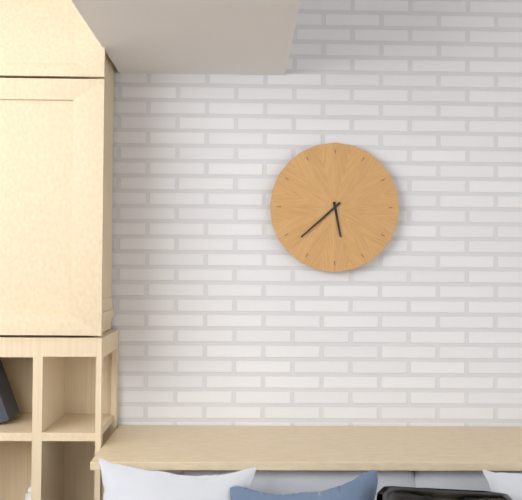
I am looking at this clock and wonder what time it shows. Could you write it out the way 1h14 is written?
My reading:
5h38
